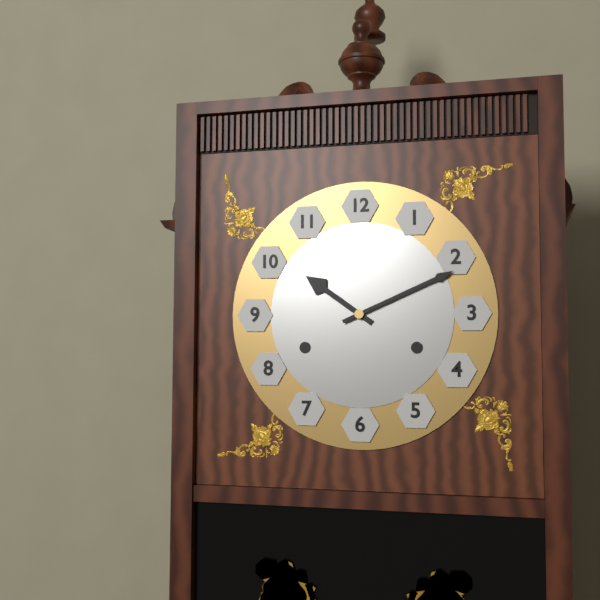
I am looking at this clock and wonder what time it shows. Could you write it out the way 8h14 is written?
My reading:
10h11
